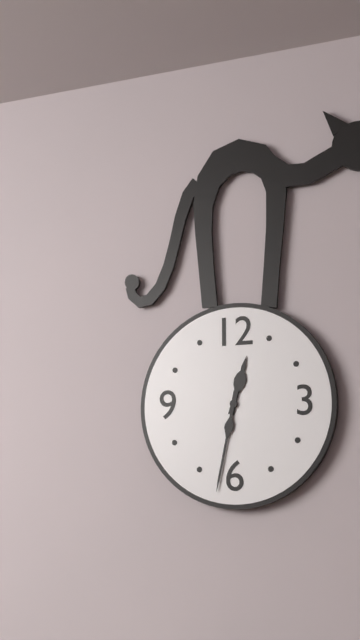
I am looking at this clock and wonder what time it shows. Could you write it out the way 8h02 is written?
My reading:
12h32
